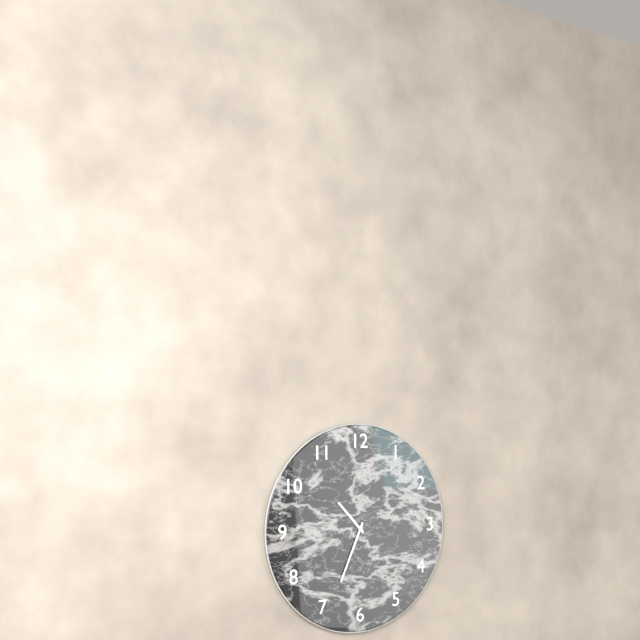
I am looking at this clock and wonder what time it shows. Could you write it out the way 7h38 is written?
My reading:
10h34
